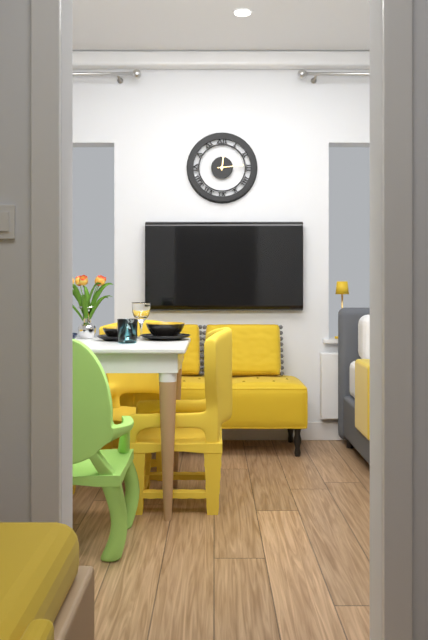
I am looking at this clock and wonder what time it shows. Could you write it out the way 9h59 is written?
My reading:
12h14
